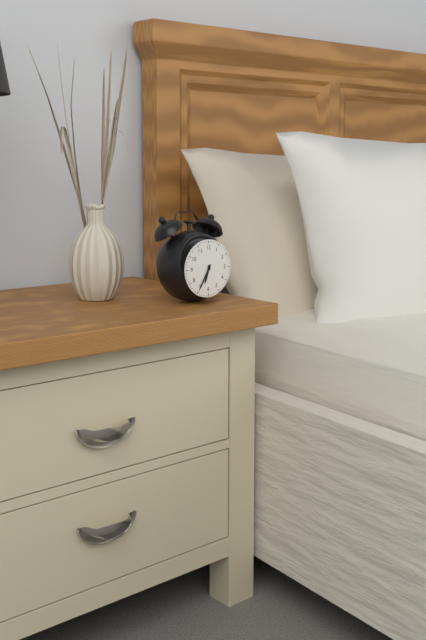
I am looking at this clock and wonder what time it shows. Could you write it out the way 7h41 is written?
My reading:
6h35
